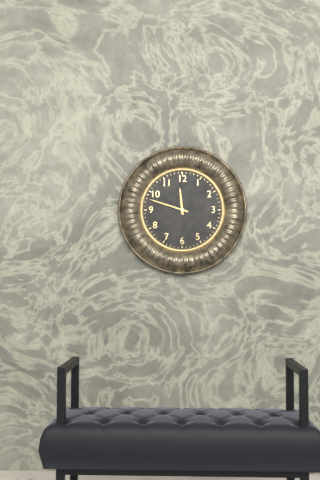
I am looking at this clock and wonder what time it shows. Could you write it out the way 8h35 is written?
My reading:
11h48
